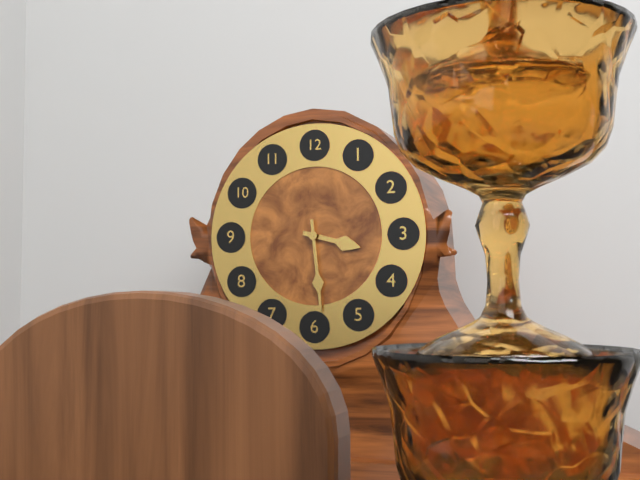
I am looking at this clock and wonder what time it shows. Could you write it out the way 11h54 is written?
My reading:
3h29
